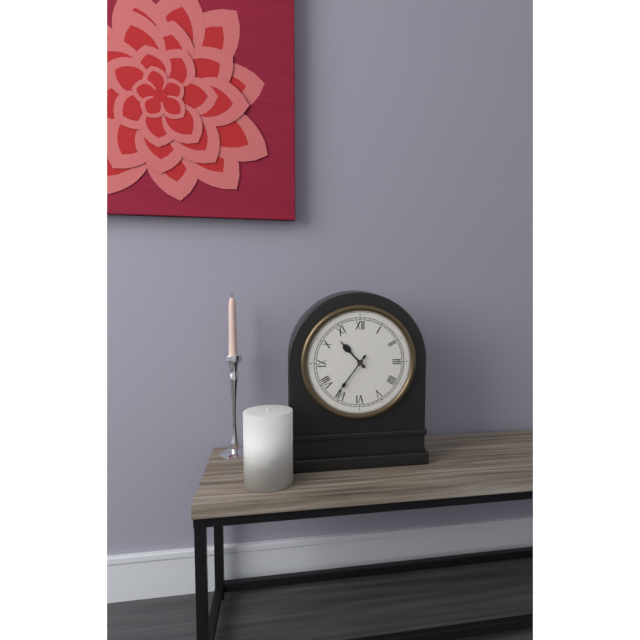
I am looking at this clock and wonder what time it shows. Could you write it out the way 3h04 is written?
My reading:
10h36
